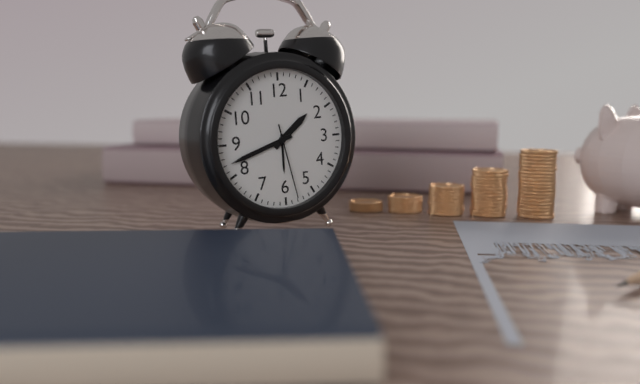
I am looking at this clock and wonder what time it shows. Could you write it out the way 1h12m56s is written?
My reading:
1h42m28s
